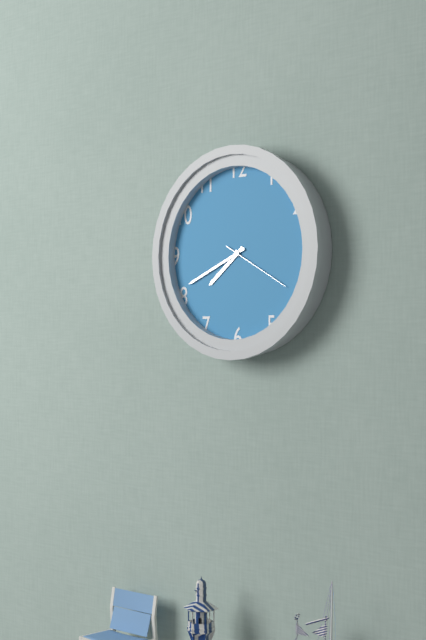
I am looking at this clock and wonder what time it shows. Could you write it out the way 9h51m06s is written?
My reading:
7h41m20s
